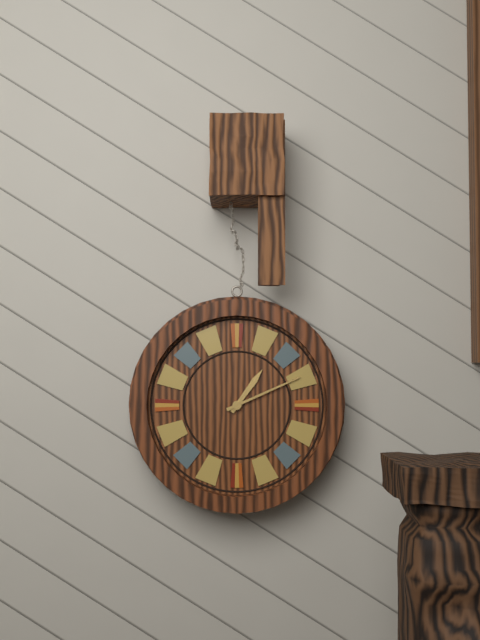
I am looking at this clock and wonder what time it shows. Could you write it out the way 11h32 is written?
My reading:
1h11
